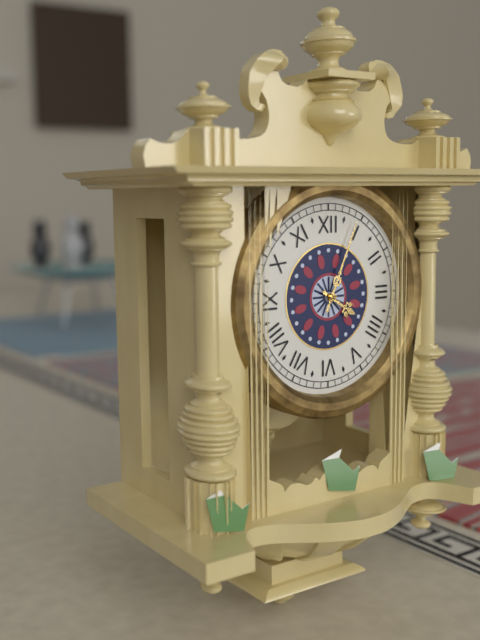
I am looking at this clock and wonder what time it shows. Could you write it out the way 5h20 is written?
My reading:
4h04
